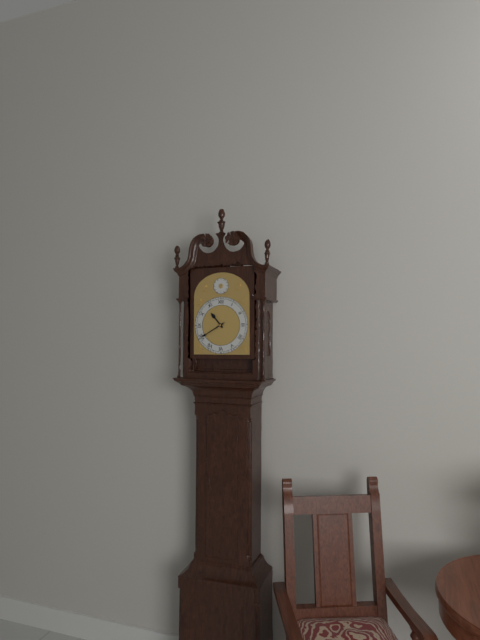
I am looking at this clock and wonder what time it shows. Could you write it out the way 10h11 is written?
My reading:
10h40
